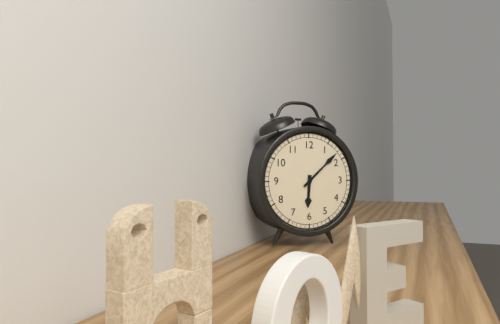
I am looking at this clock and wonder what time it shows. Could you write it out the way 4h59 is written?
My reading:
6h08
